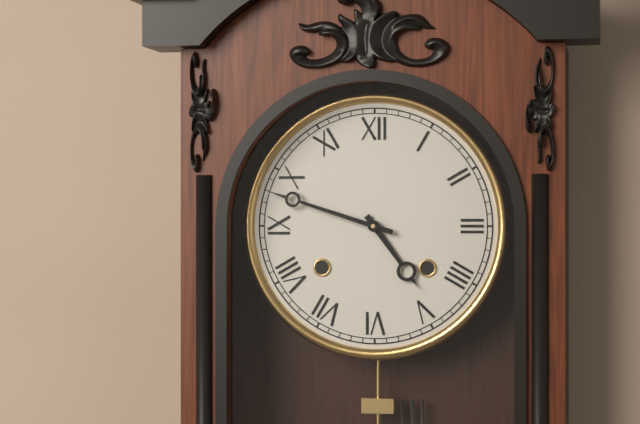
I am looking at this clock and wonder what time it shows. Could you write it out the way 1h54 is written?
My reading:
4h48
